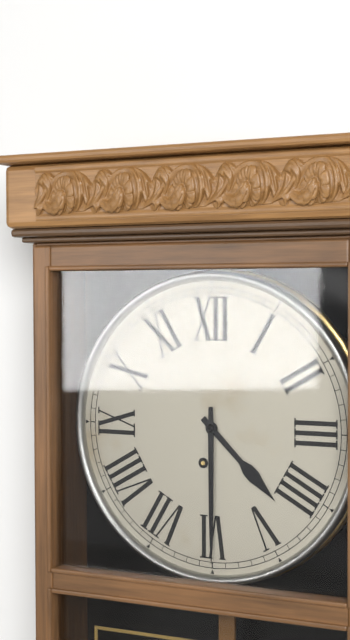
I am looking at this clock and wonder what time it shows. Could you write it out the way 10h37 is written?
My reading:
4h30
